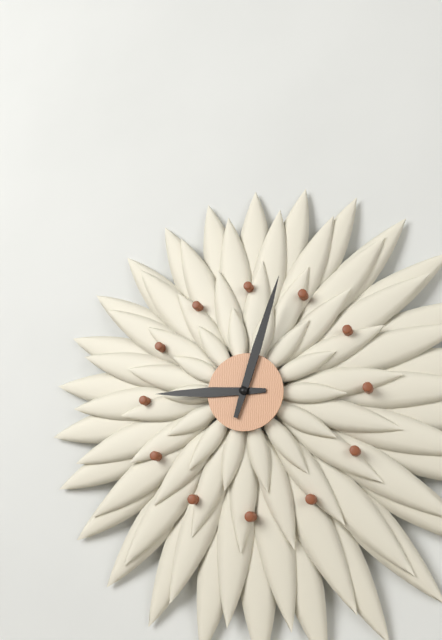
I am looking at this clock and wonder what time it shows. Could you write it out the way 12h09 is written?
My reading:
9h03
